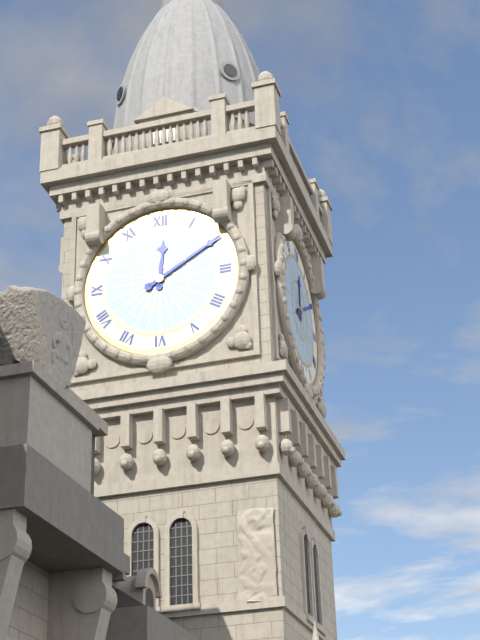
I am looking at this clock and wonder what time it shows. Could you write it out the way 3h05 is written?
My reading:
12h10
